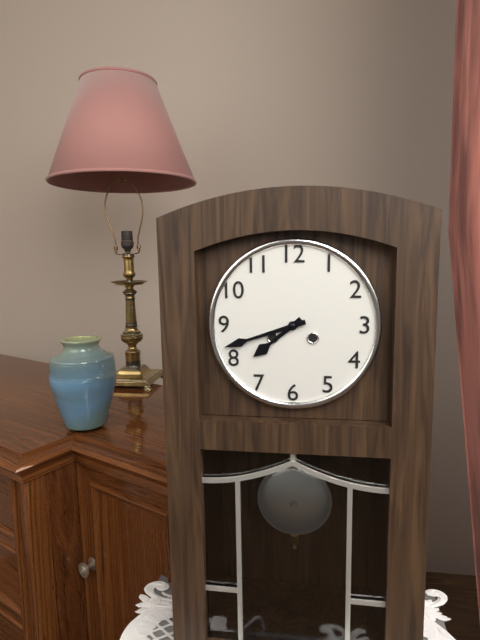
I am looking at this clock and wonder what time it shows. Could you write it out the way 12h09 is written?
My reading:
7h42
